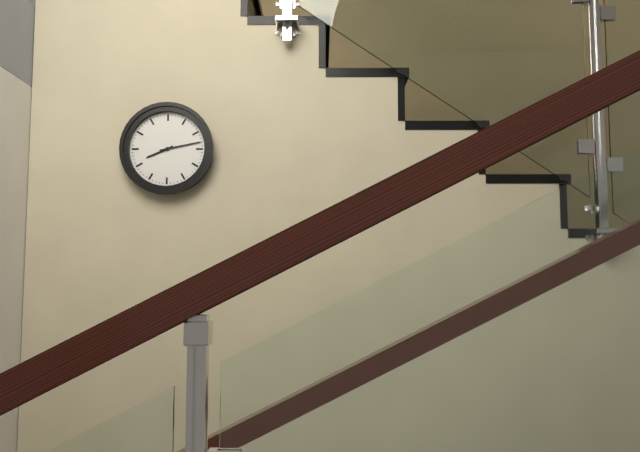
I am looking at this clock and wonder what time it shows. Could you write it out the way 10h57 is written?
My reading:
8h13
